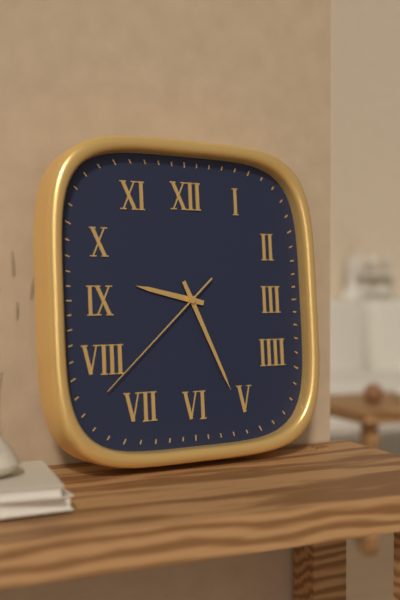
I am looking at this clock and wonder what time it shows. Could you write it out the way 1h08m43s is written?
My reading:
9h26m38s
